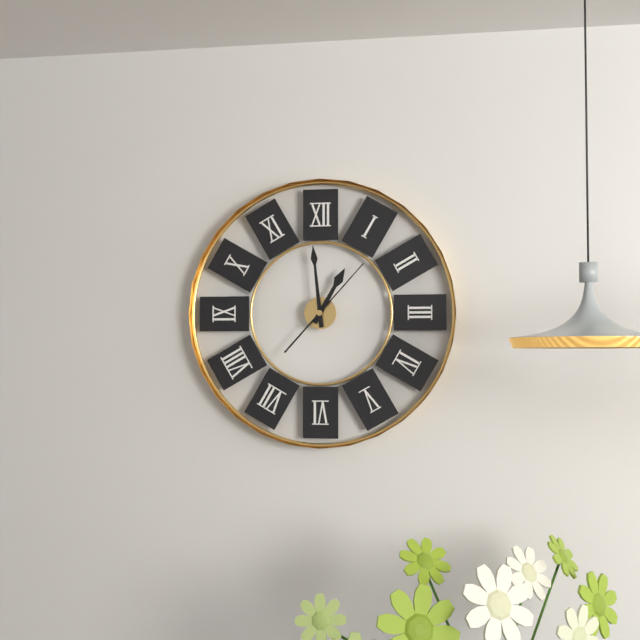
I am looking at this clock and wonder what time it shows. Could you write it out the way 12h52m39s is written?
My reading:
12h59m07s
